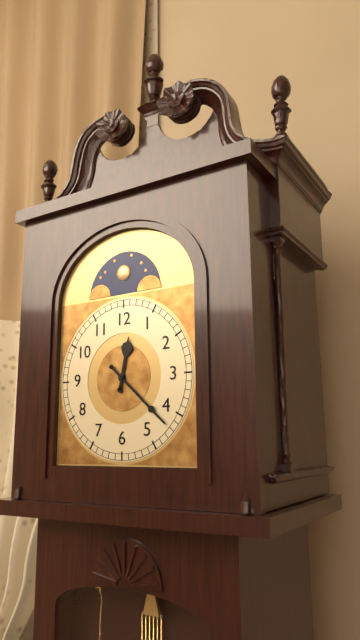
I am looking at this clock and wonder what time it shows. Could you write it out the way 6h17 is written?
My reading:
12h22
